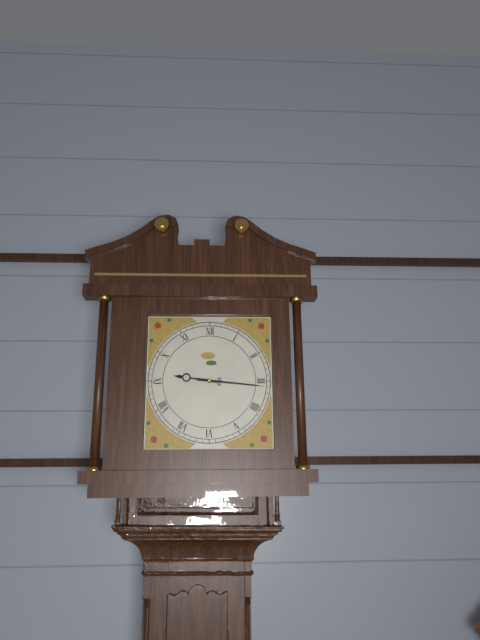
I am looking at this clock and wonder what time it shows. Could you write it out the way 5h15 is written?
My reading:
9h16
